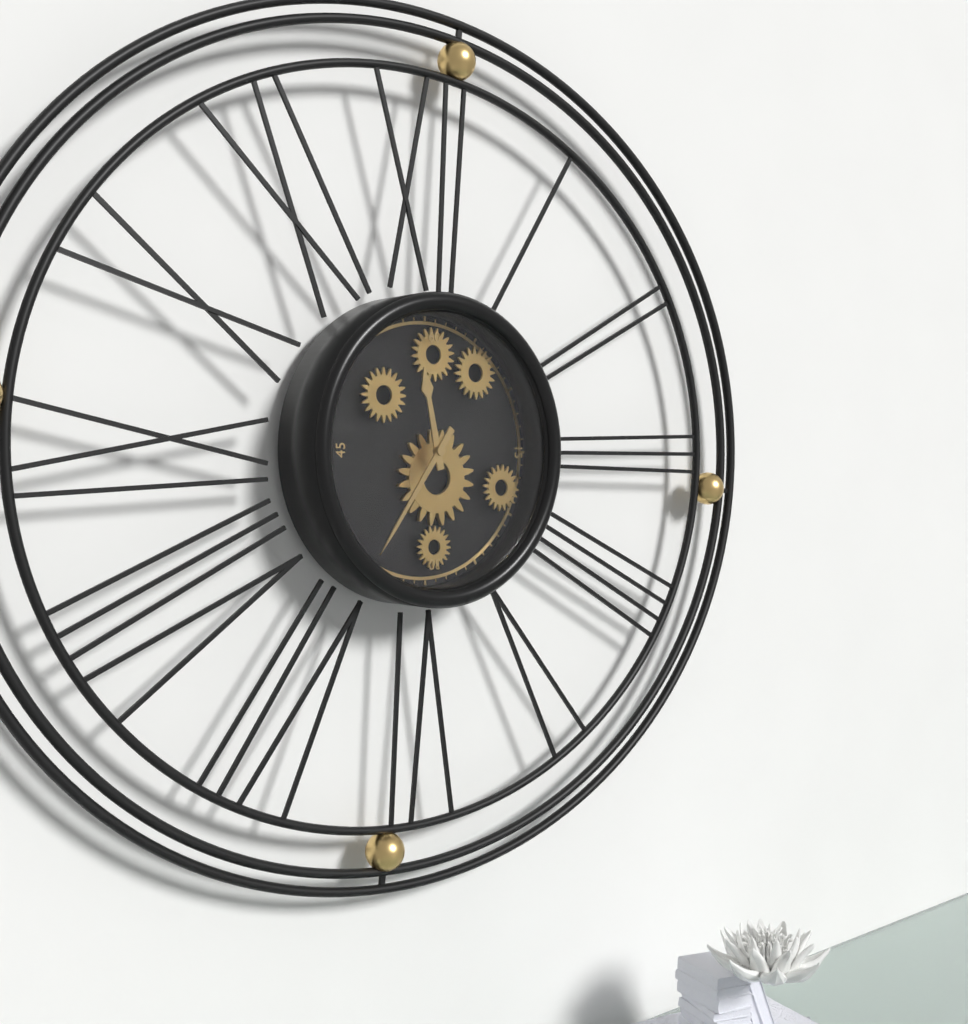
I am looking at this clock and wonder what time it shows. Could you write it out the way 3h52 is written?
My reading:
11h36
